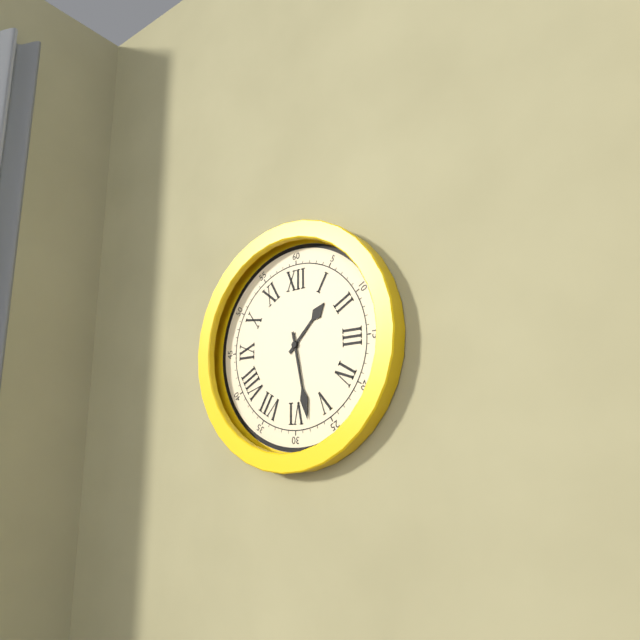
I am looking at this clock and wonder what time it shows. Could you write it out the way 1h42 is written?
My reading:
1h28
